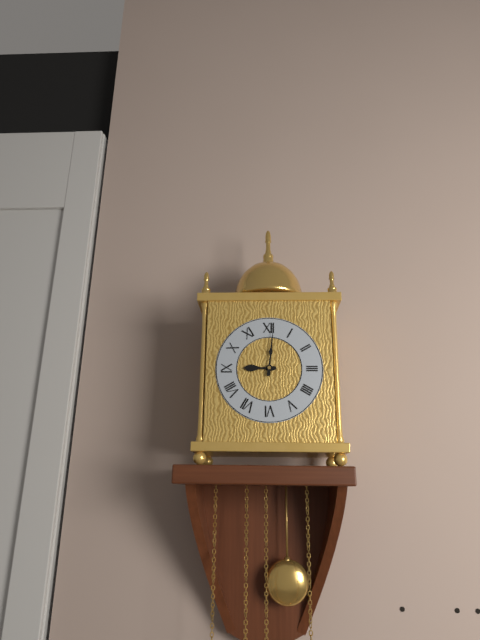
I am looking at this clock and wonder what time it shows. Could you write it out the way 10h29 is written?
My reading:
9h01
